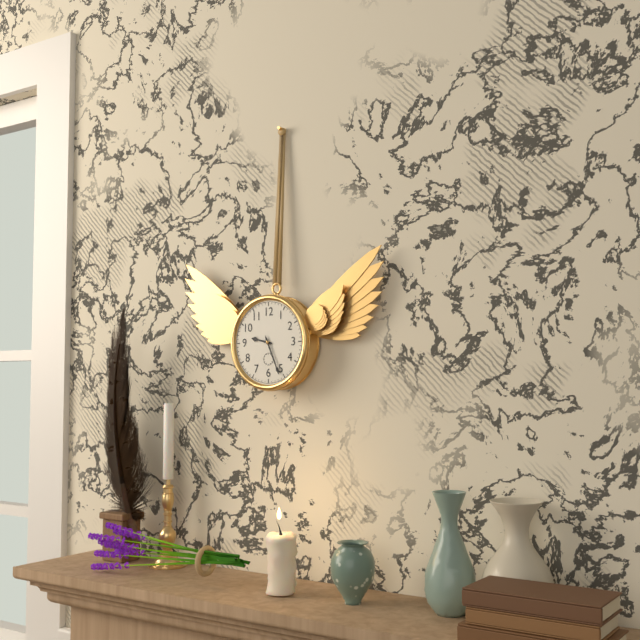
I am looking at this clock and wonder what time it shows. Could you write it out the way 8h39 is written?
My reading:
9h26
